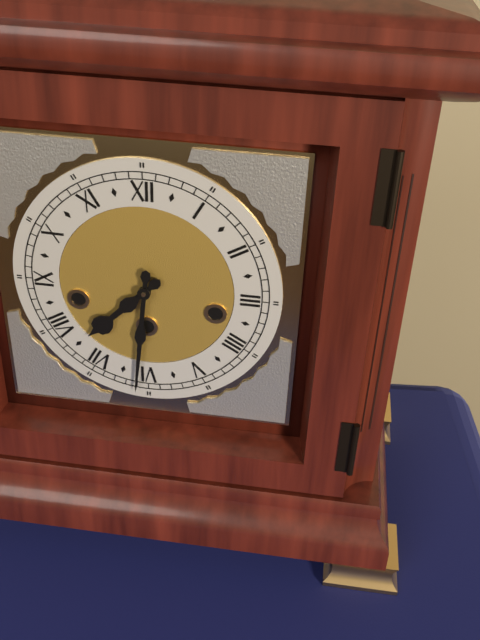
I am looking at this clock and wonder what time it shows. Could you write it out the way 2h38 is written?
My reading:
7h31
